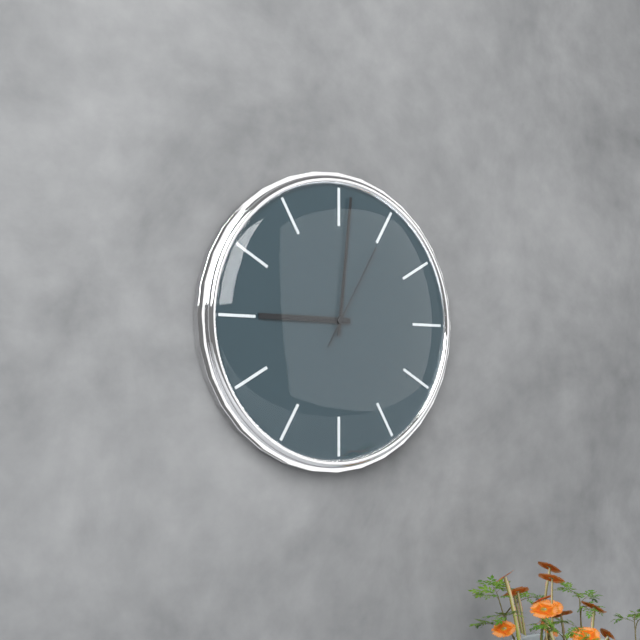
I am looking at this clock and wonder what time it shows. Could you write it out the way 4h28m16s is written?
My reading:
9h01m05s
